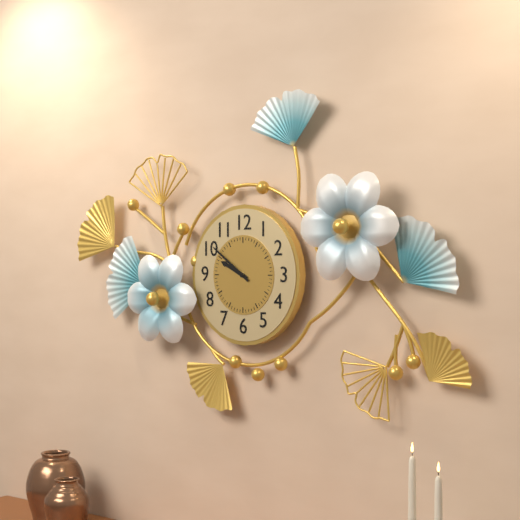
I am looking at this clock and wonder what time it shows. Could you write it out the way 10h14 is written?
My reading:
9h51
